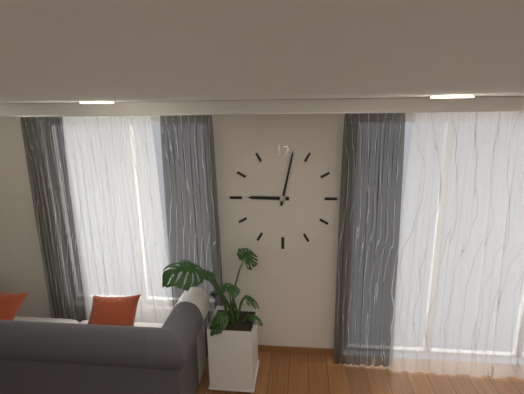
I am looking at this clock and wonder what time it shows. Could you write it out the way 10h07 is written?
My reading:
9h02
